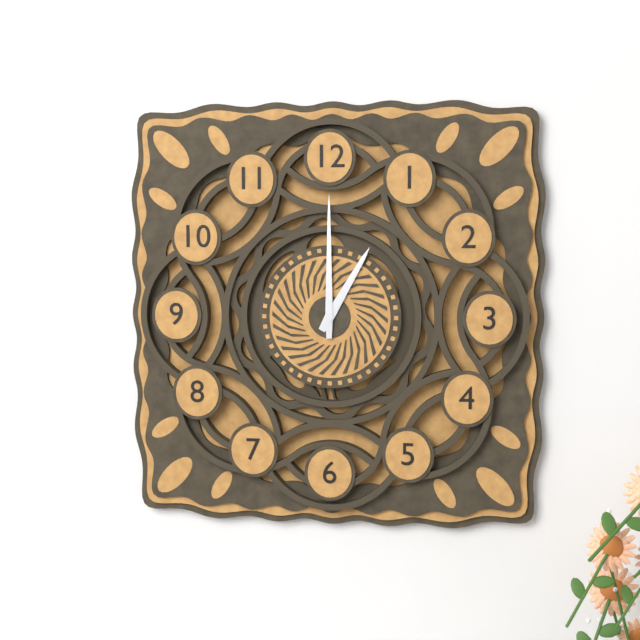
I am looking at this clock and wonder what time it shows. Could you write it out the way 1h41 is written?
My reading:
1h00
